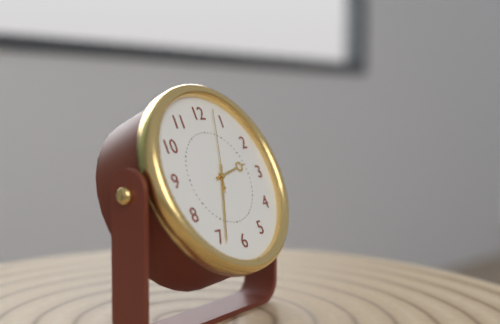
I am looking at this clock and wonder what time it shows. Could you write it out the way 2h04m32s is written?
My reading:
2h34m03s
